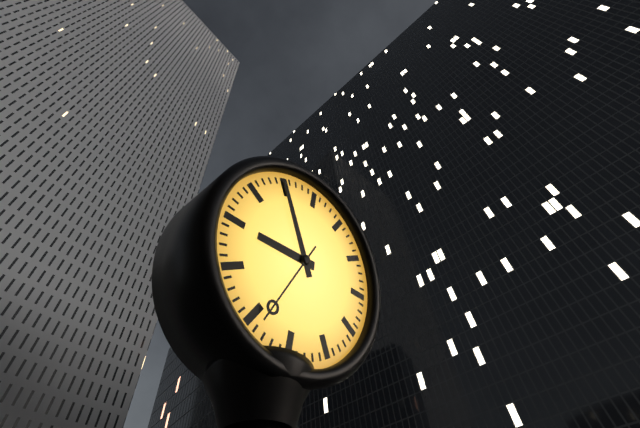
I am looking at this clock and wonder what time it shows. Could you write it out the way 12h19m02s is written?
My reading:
8h55m34s
